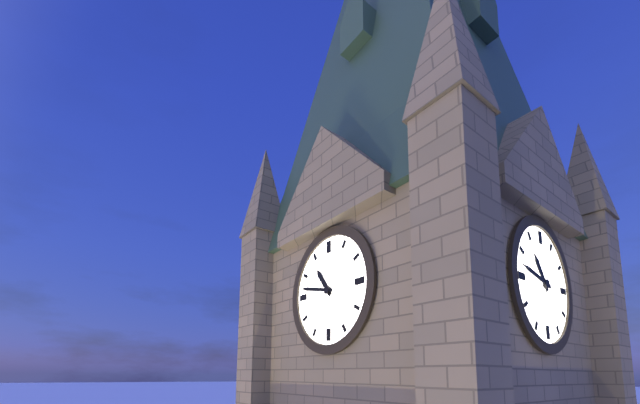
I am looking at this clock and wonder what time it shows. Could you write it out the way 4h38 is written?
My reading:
10h47
